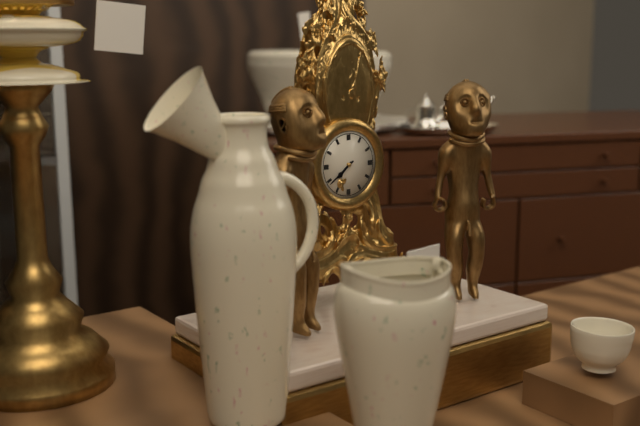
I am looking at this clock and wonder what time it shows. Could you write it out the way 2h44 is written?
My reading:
7h39
